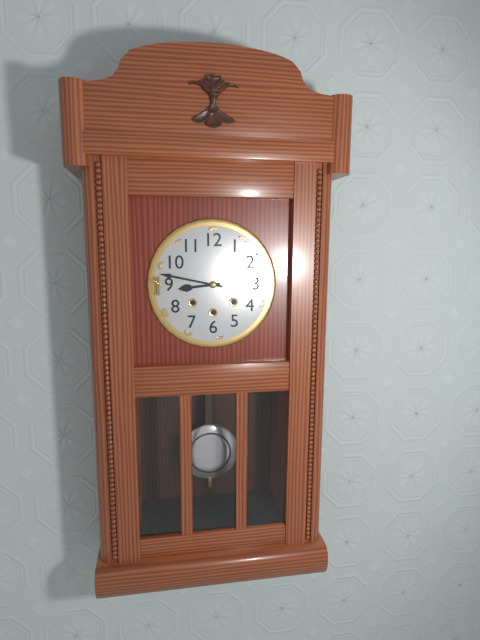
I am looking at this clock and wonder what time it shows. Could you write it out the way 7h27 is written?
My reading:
8h47
